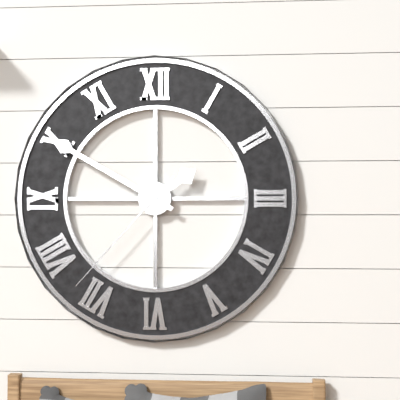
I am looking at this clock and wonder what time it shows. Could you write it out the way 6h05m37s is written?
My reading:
1h50m37s
